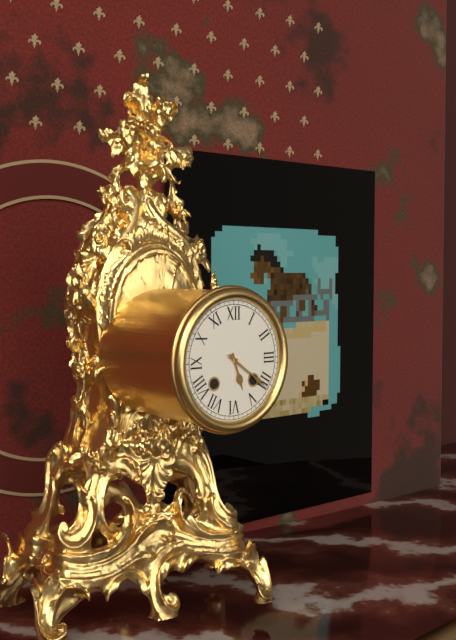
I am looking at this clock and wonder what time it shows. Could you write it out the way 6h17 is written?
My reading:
5h21
